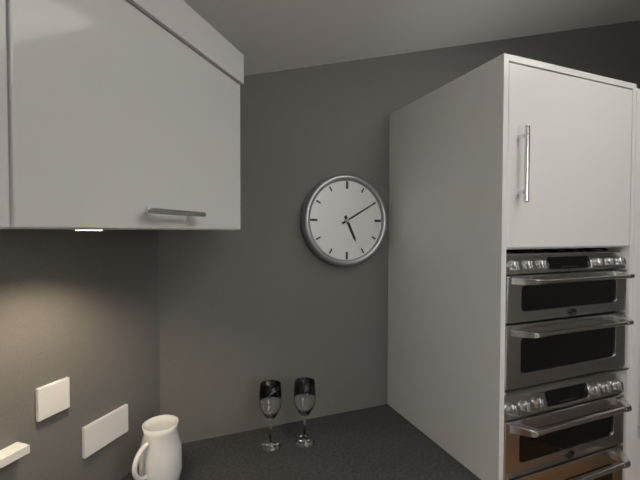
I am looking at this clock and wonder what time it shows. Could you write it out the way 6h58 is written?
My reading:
5h10
